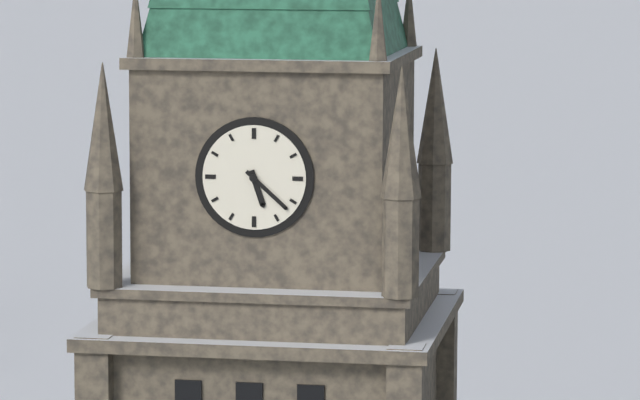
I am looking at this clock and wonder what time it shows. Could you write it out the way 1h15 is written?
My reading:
5h22
